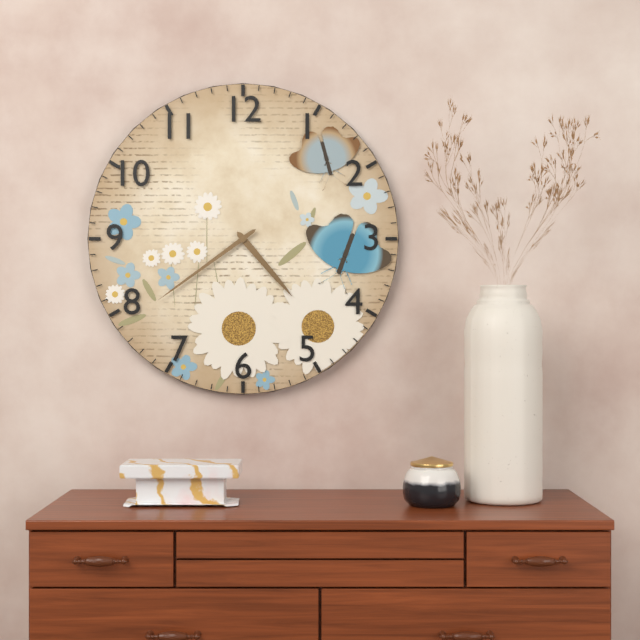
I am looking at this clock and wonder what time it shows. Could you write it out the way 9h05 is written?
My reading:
4h39
